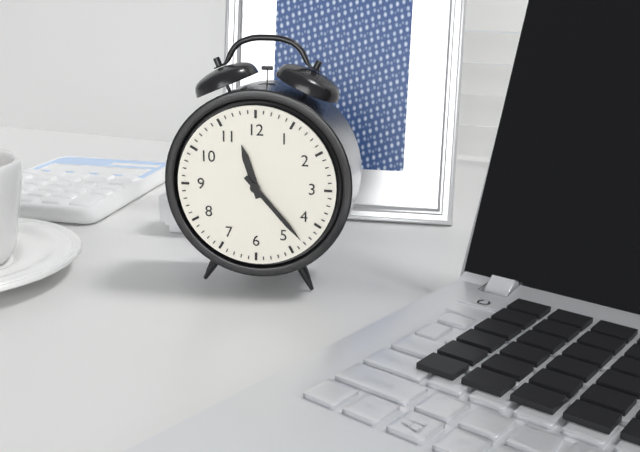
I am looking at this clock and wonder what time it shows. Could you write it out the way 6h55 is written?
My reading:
11h23
